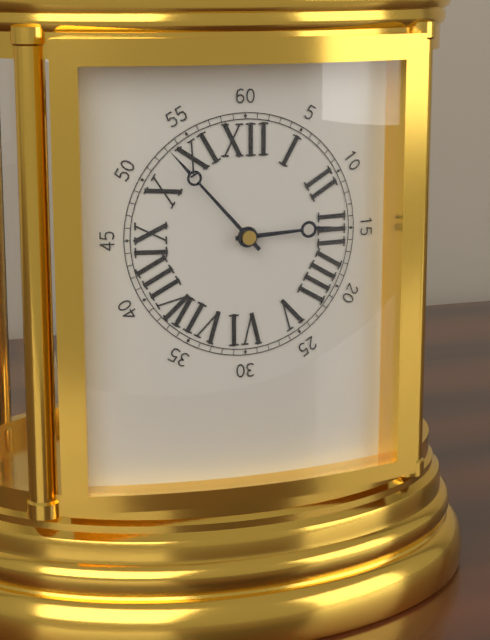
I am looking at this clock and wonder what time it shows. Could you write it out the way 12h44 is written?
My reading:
2h53
